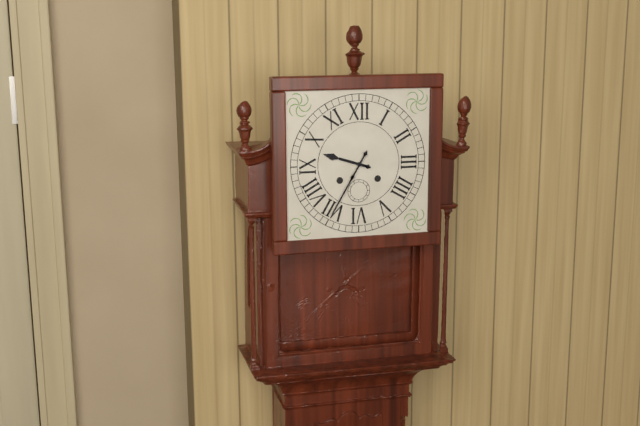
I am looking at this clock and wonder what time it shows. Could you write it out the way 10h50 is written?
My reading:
9h35
